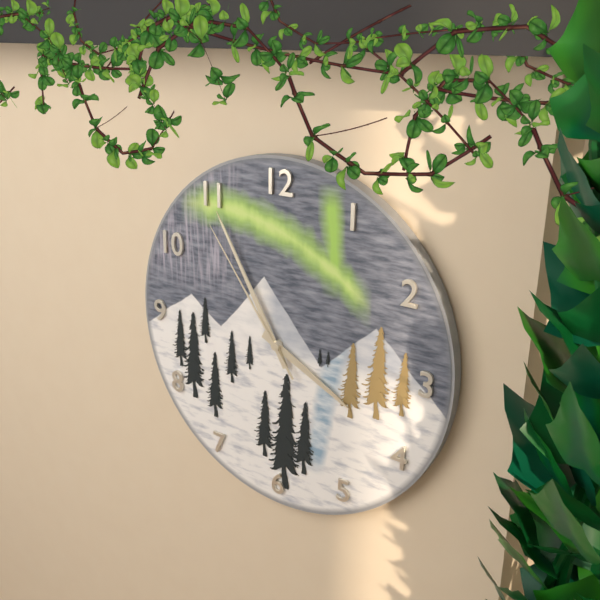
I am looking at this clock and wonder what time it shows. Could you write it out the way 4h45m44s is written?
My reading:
3h55m54s
